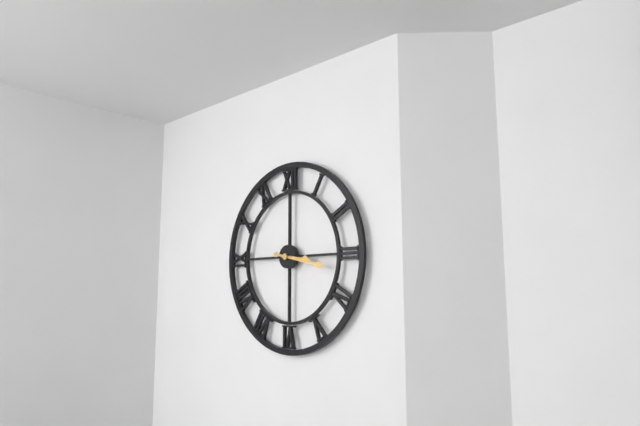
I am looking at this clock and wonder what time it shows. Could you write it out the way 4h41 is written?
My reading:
3h17
